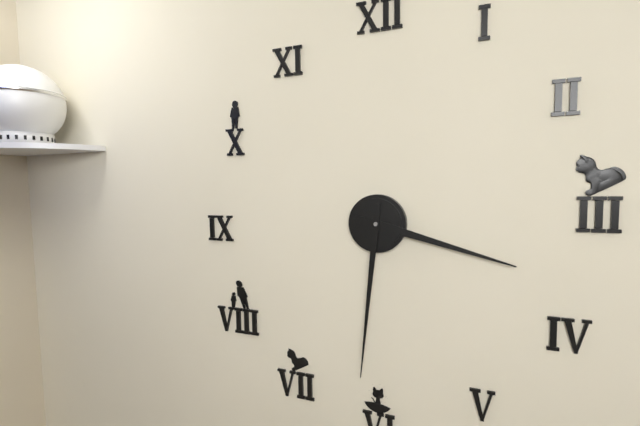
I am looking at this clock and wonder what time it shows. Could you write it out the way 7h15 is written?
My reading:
3h31
